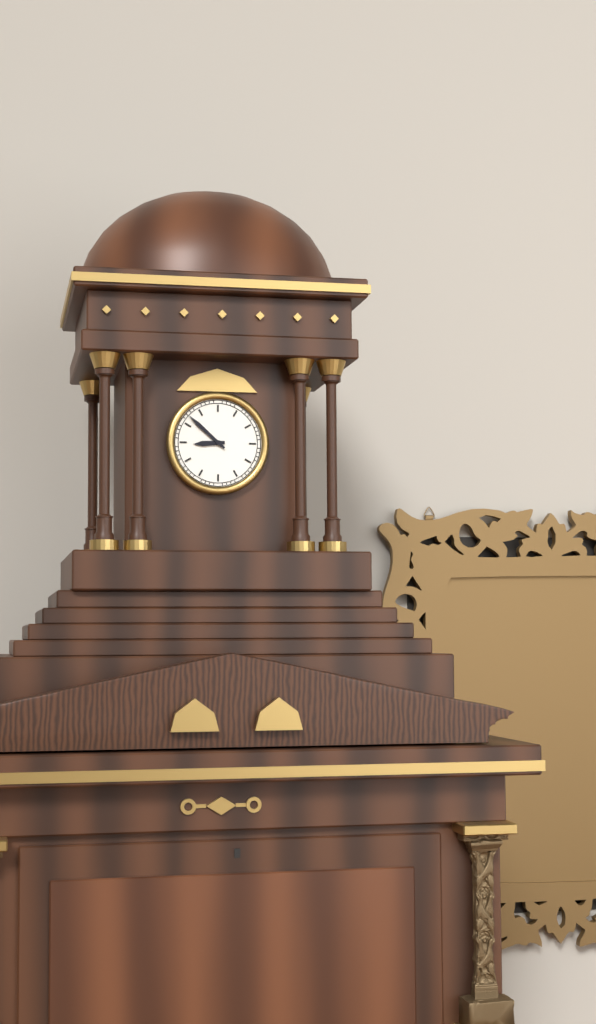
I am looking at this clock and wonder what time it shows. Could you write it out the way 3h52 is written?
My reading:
8h52
